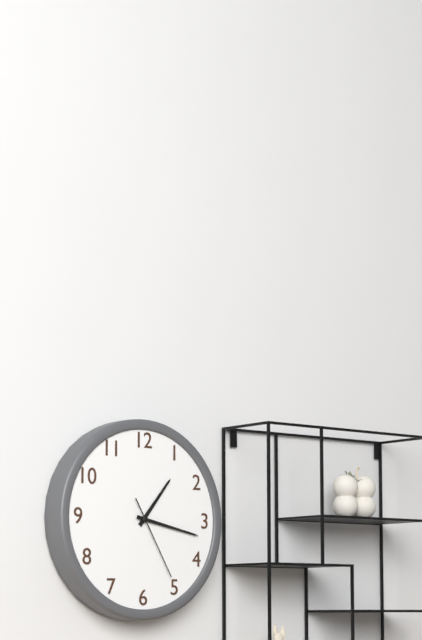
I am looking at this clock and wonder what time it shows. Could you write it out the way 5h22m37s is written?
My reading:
1h17m25s
